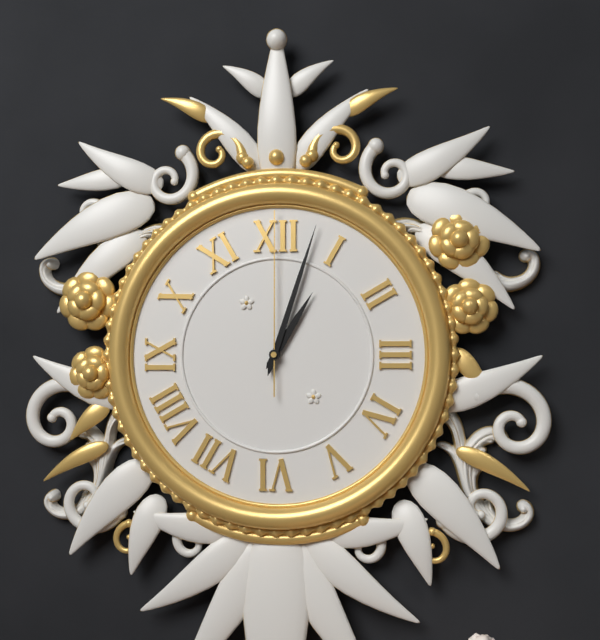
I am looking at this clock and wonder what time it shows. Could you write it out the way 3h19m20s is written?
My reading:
1h03m00s
